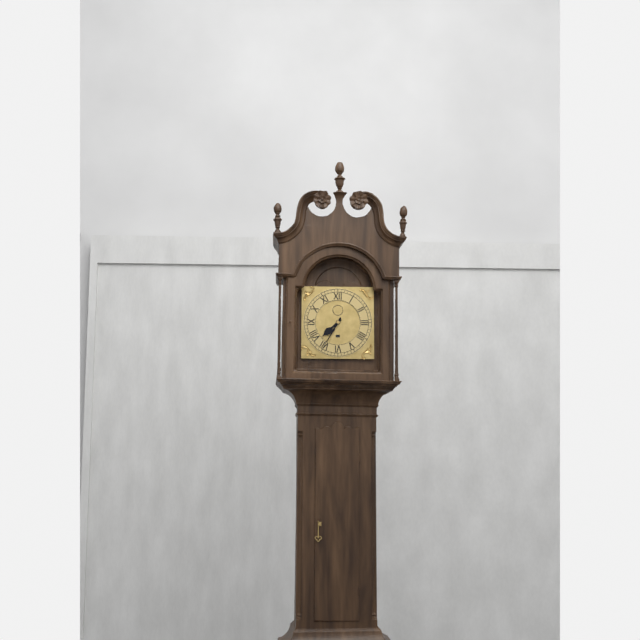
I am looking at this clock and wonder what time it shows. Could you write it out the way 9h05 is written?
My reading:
7h35
